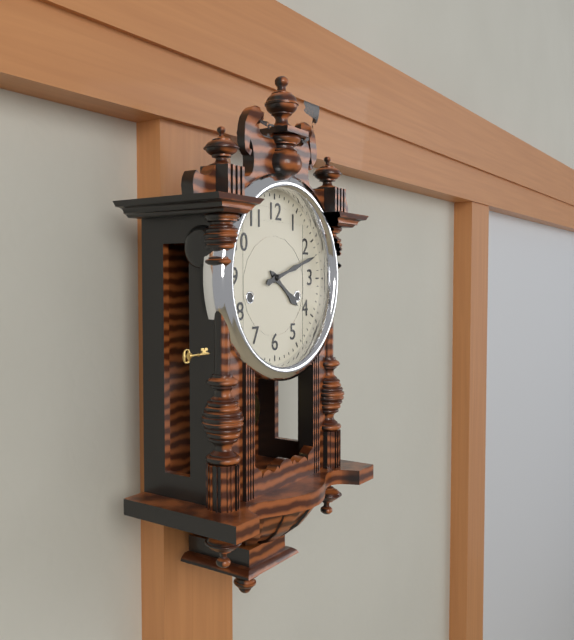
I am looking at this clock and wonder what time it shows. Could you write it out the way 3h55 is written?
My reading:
4h12
